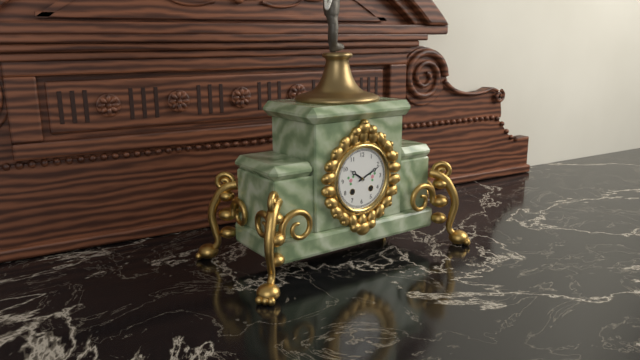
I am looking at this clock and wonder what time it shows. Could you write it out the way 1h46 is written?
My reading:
10h11
